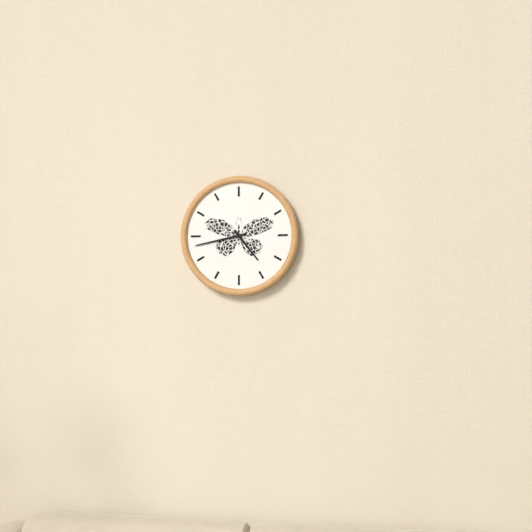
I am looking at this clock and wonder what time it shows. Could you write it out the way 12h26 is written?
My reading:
4h43
